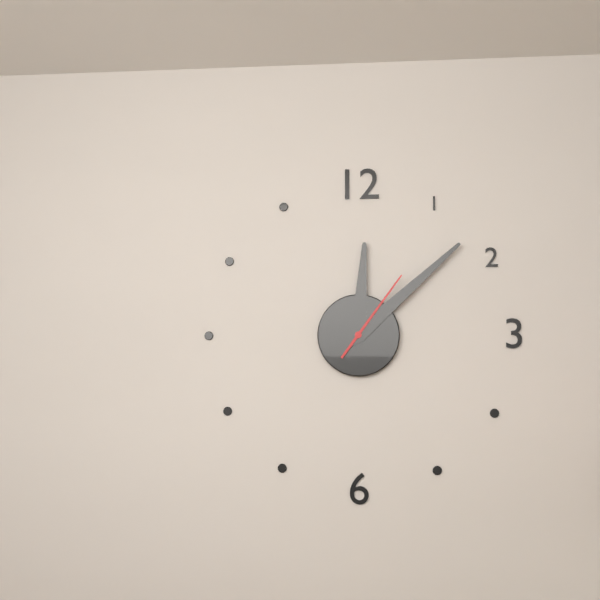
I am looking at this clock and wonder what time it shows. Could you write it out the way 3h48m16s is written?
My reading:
12h08m06s
